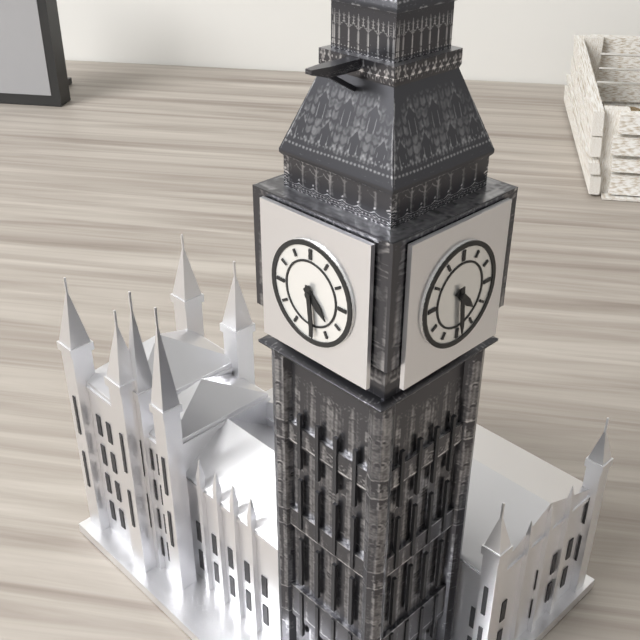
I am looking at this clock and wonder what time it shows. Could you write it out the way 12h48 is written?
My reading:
4h29
